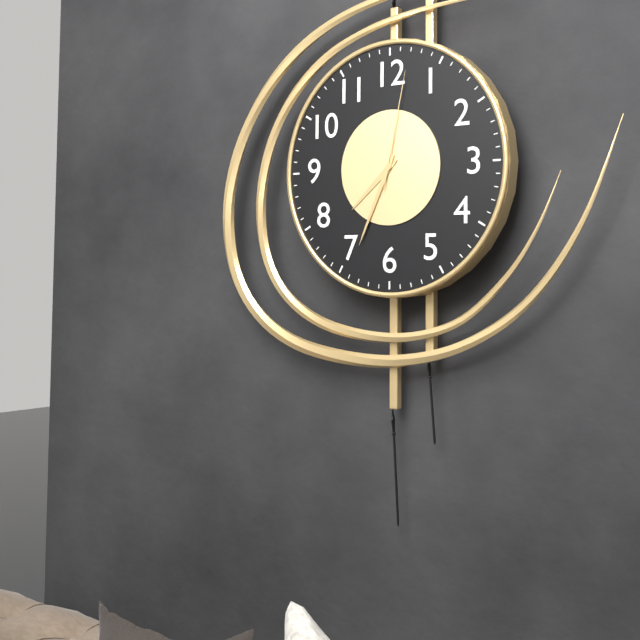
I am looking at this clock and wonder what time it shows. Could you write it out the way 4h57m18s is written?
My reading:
7h34m02s
